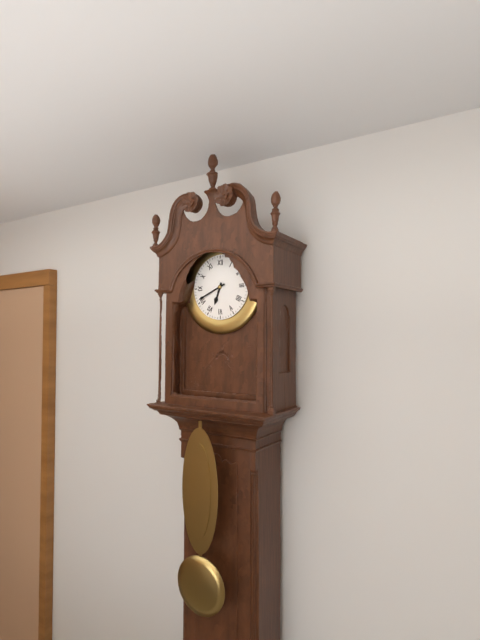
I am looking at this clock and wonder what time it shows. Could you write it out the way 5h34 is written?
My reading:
6h41
